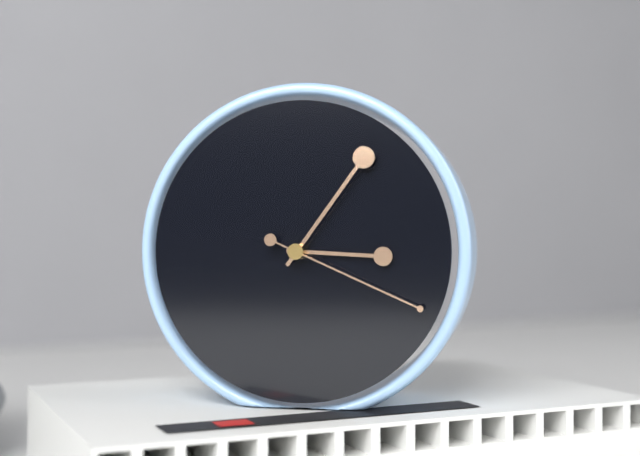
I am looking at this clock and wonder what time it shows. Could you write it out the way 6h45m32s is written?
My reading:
3h06m19s
